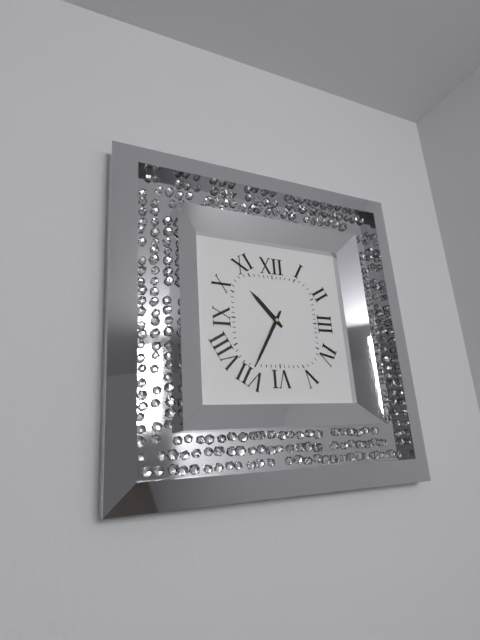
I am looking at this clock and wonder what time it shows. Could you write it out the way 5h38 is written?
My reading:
10h35
